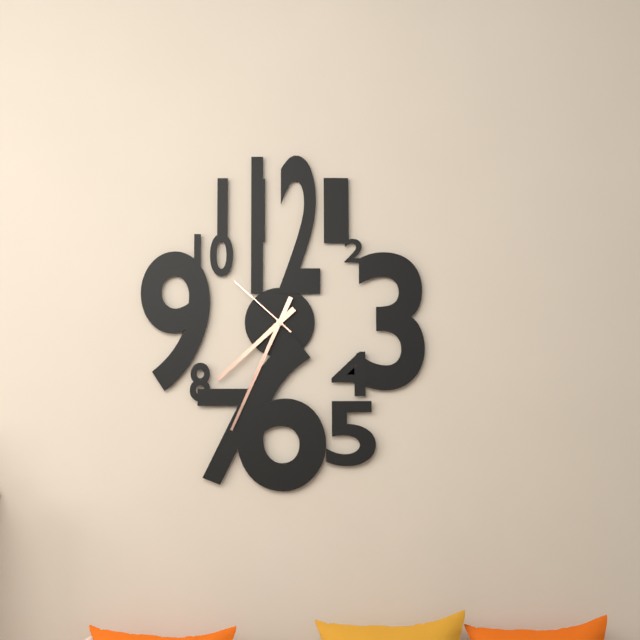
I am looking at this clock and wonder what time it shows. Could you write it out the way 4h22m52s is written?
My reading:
7h34m52s
